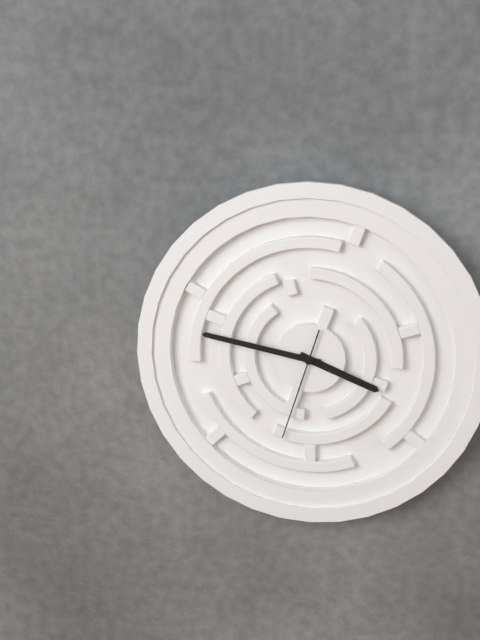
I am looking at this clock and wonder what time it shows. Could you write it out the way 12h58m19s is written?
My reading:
3h47m33s
